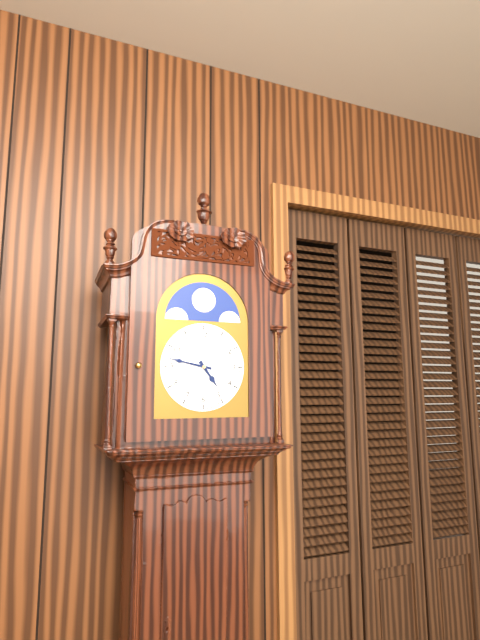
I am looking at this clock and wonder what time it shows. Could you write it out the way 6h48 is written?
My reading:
4h47
